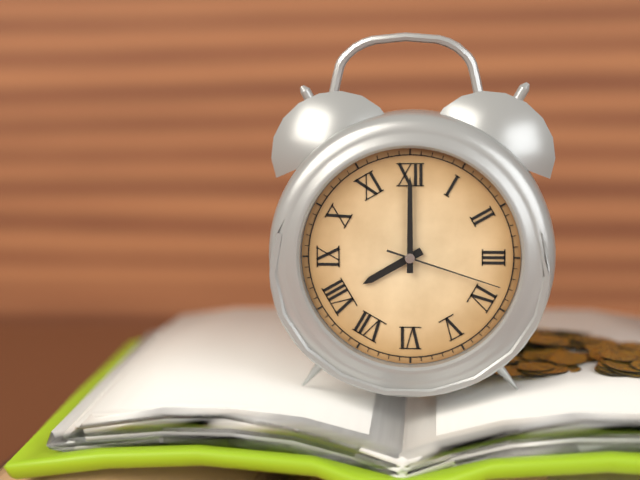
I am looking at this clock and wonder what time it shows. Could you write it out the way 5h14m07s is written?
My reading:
8h00m18s
